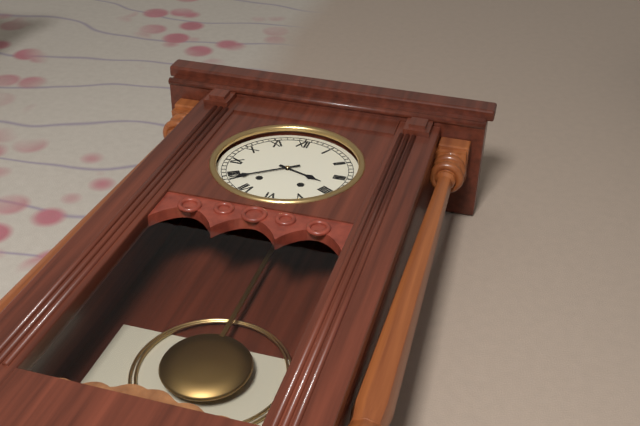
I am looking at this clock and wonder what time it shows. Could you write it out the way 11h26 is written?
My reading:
3h39
